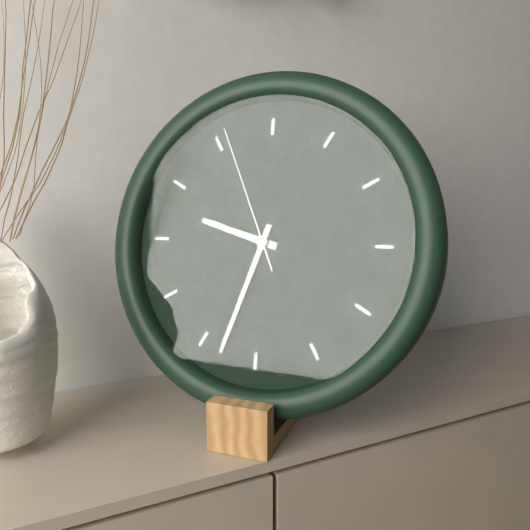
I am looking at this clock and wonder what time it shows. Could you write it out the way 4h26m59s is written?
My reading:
9h33m56s
